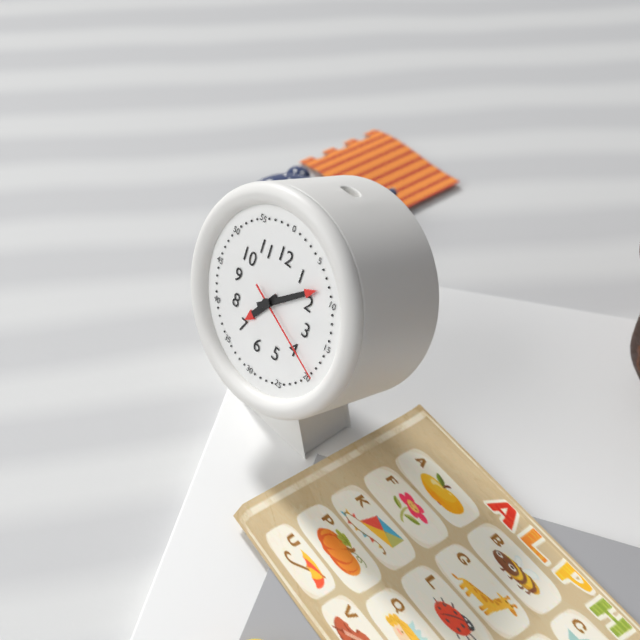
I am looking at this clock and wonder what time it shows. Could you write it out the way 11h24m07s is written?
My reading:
7h08m19s
